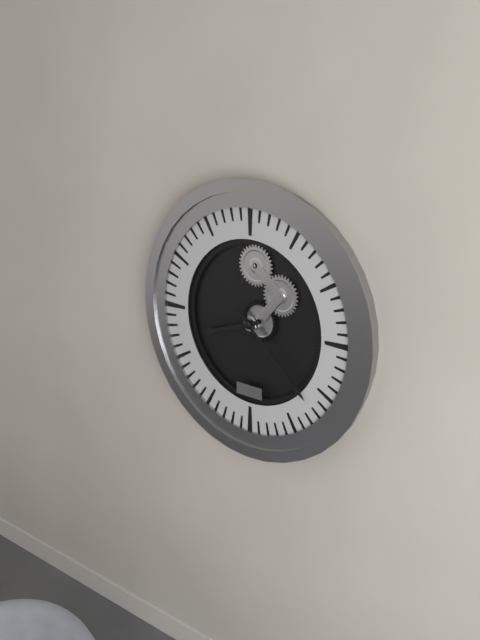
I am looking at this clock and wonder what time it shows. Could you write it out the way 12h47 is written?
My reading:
8h22
